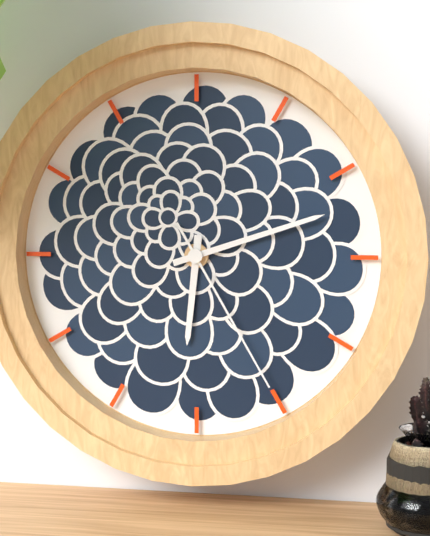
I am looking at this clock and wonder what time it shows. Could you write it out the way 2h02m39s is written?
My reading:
6h12m25s
